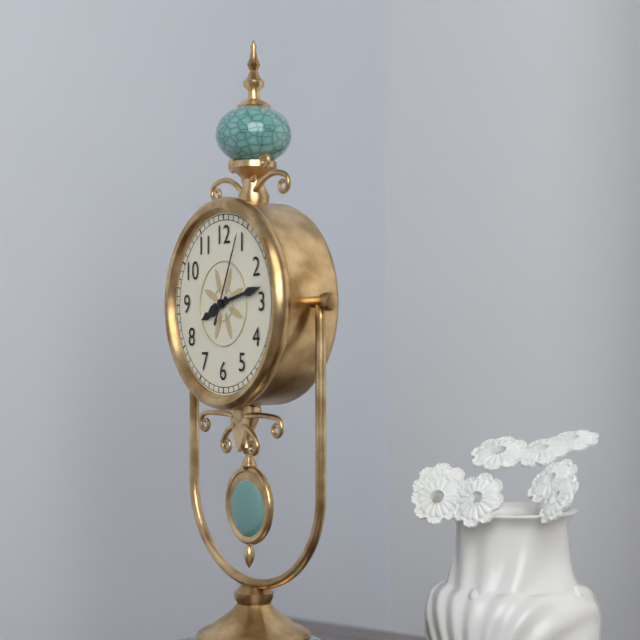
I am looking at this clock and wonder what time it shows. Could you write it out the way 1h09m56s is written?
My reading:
8h13m04s
